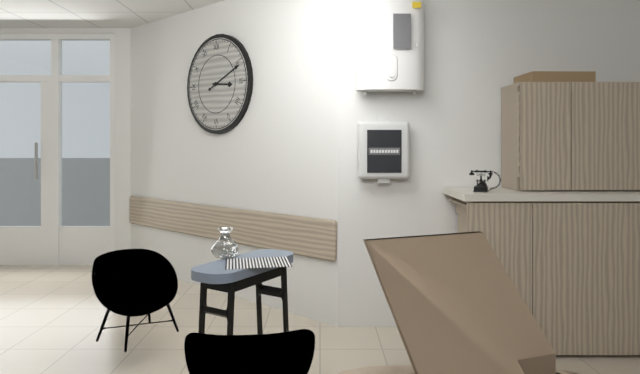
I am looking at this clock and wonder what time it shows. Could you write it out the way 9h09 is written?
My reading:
3h11
